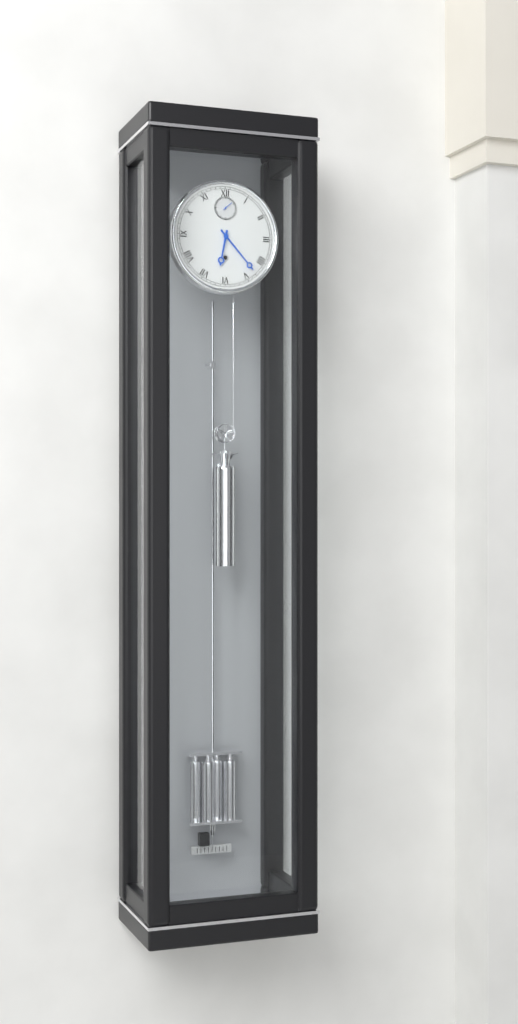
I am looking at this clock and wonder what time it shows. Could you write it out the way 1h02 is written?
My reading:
6h23
